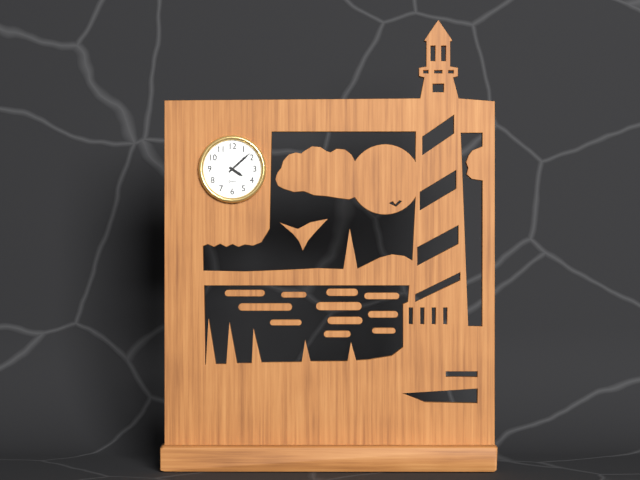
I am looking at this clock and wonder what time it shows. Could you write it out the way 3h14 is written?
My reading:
4h08
